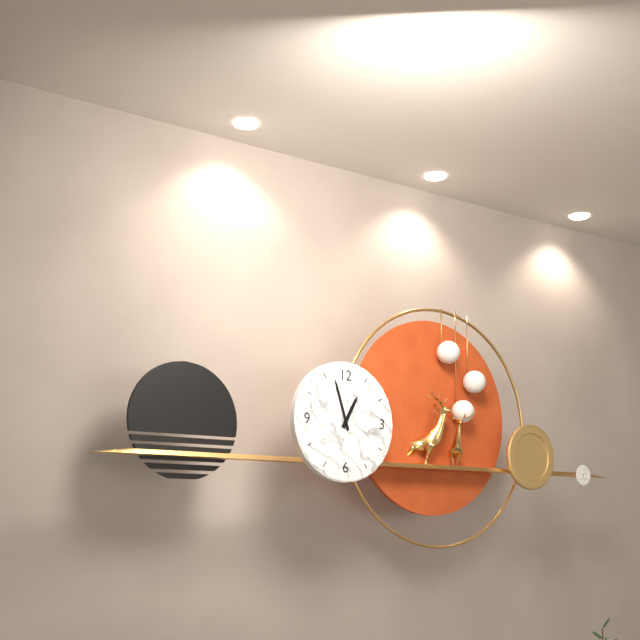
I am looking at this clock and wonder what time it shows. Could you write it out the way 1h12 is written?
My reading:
12h57
